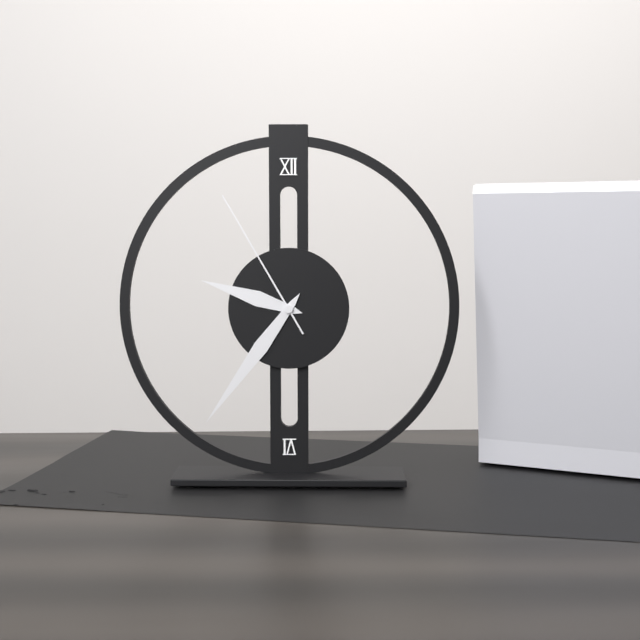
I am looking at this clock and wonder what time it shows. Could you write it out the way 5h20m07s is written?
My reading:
9h36m55s
